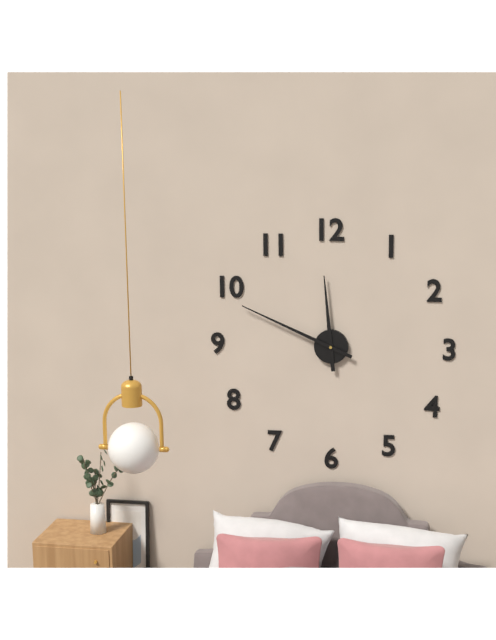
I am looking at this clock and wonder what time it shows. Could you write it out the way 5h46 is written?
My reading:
11h49
